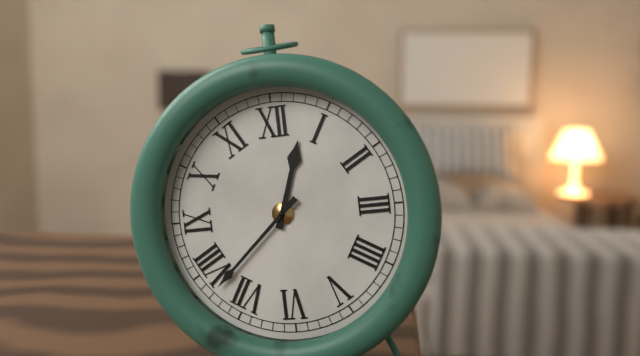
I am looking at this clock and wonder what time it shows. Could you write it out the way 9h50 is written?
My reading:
12h38
